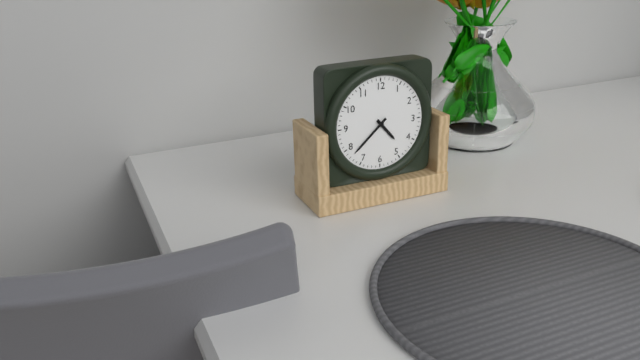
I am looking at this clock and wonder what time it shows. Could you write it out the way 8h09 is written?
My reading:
4h38
